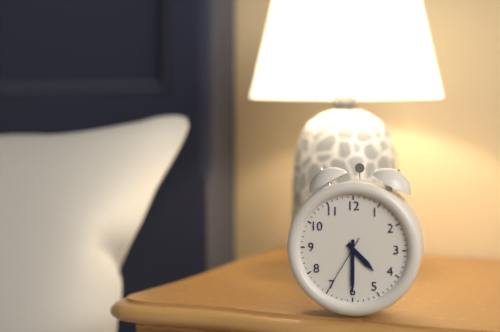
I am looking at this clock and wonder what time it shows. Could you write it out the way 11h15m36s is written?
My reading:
4h30m35s
